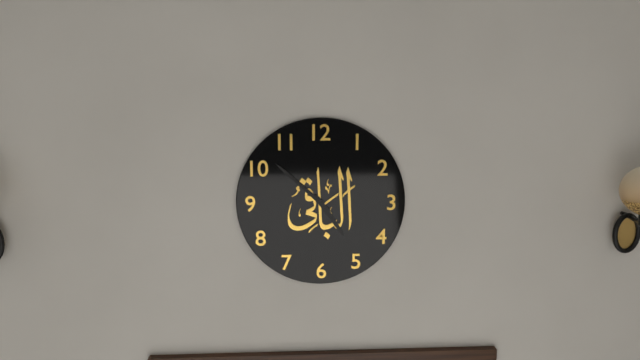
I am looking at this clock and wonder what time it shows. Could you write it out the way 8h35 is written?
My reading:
4h52
